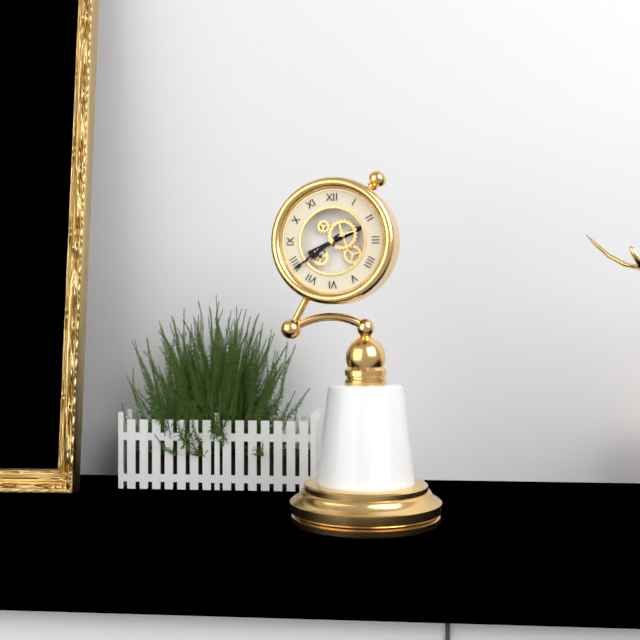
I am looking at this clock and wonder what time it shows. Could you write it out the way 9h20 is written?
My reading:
7h39
